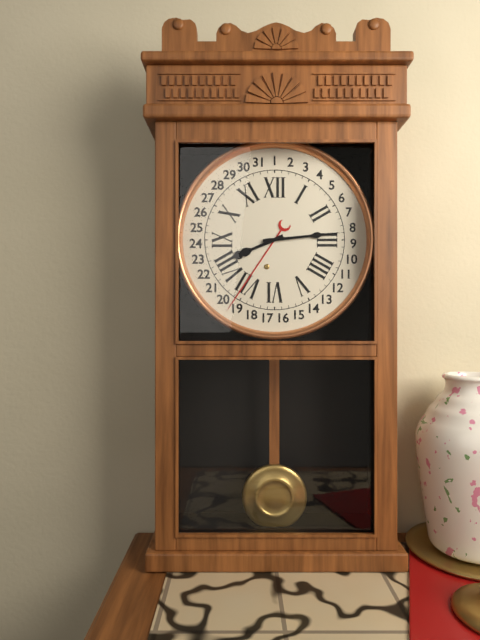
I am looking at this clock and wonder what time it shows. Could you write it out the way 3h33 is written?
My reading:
8h14
